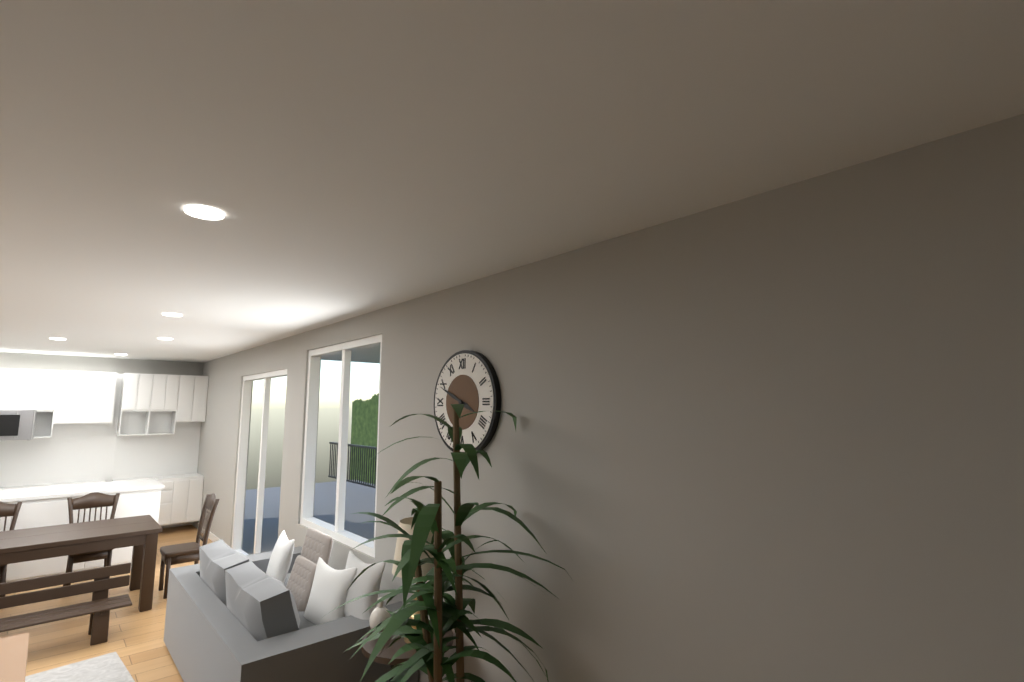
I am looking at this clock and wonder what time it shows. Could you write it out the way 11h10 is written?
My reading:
3h49
